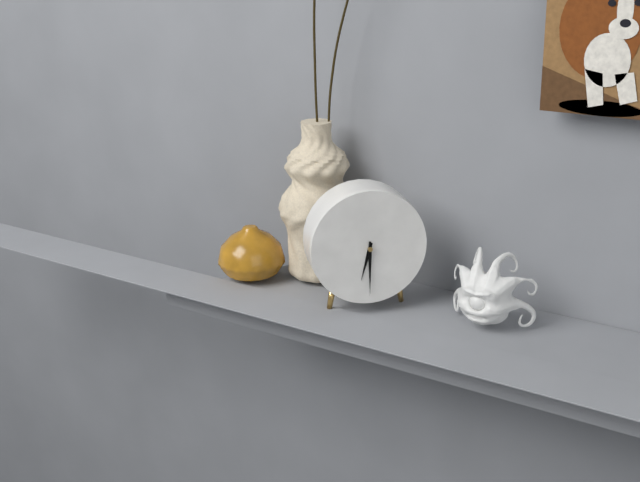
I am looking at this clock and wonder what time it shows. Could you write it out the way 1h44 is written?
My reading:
6h30
